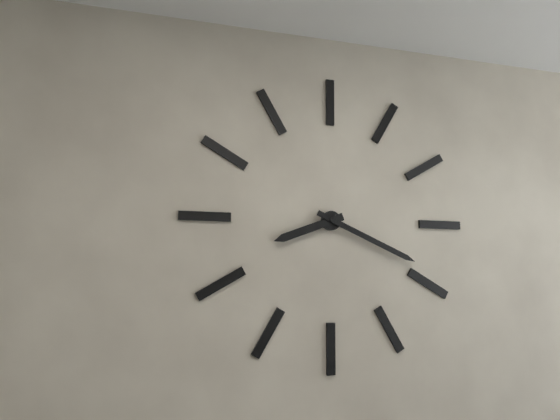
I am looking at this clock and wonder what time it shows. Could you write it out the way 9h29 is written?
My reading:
8h19
